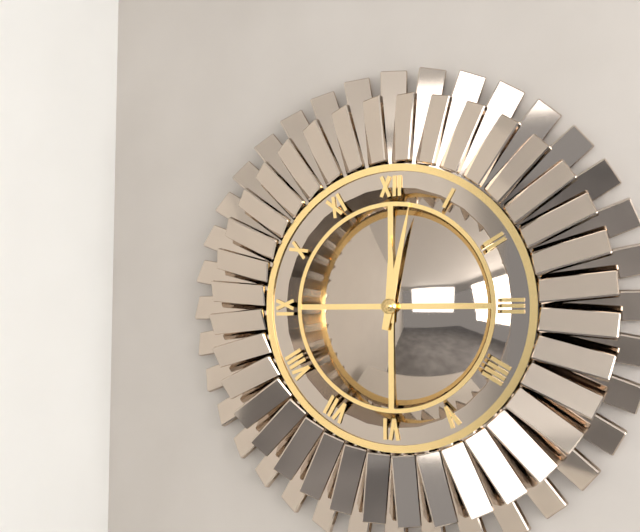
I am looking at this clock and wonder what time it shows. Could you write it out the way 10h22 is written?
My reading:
12h02
